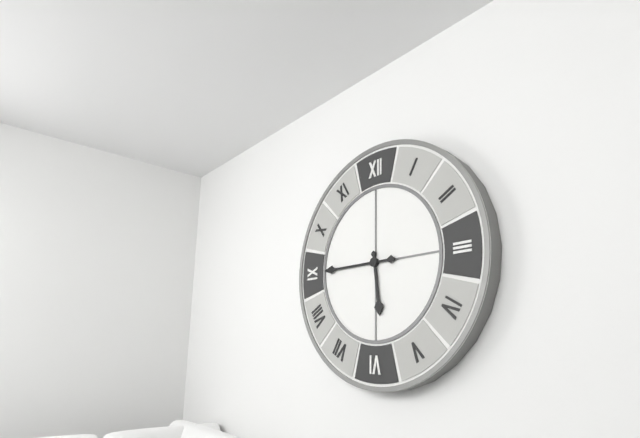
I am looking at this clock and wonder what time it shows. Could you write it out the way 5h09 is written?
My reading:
5h45
